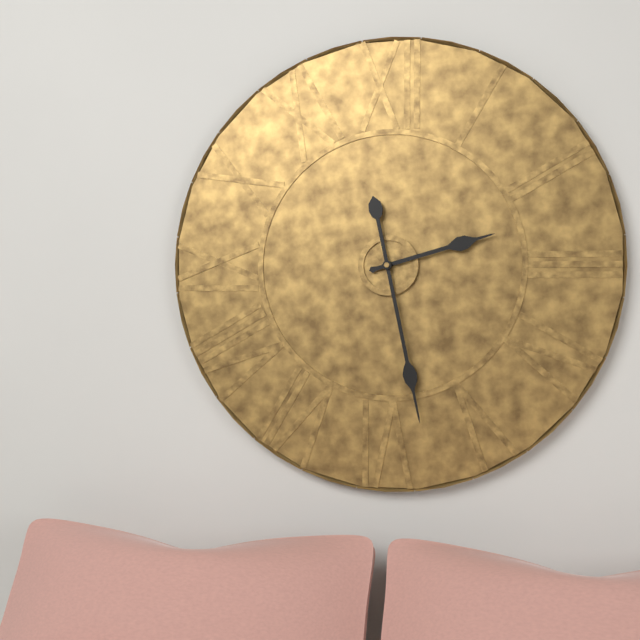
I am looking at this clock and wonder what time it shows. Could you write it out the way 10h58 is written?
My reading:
2h28
